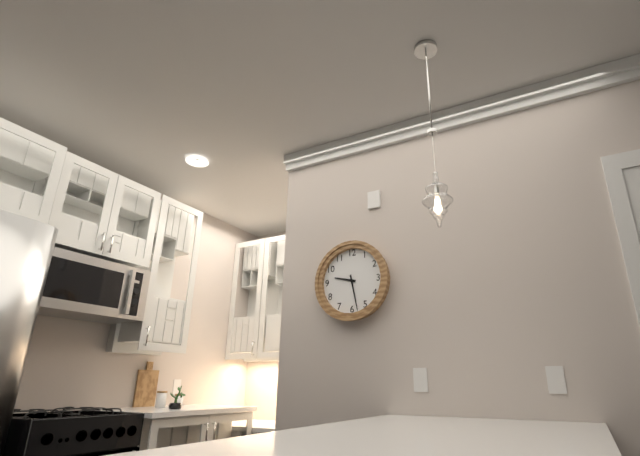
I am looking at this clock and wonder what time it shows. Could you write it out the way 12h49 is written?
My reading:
9h28
